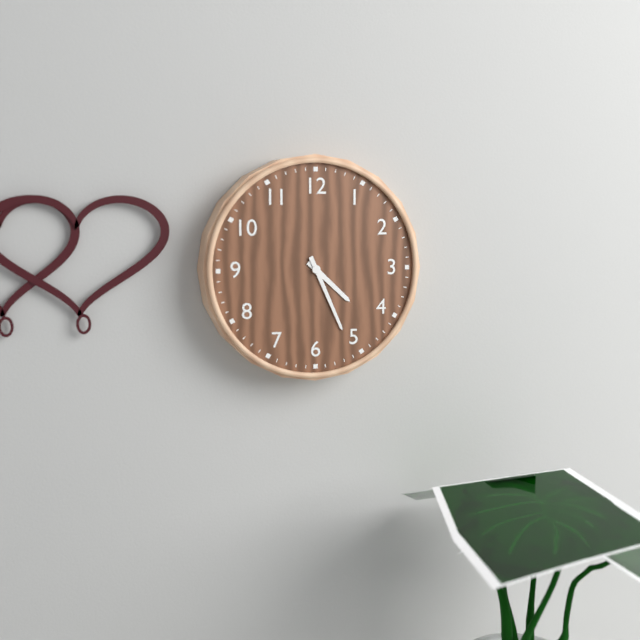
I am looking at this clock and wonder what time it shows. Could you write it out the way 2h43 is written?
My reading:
4h26
